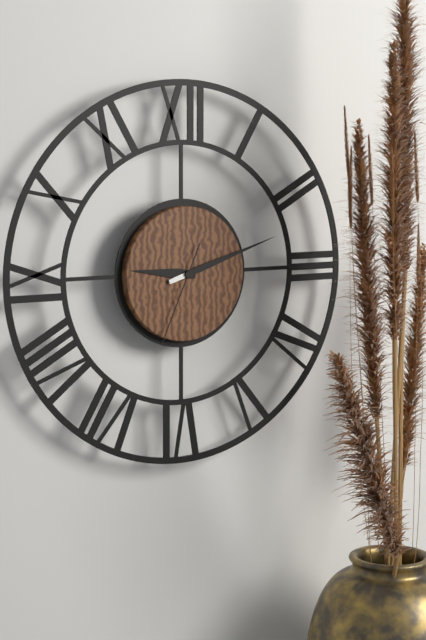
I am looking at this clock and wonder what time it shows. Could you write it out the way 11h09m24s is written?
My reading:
9h12m34s
